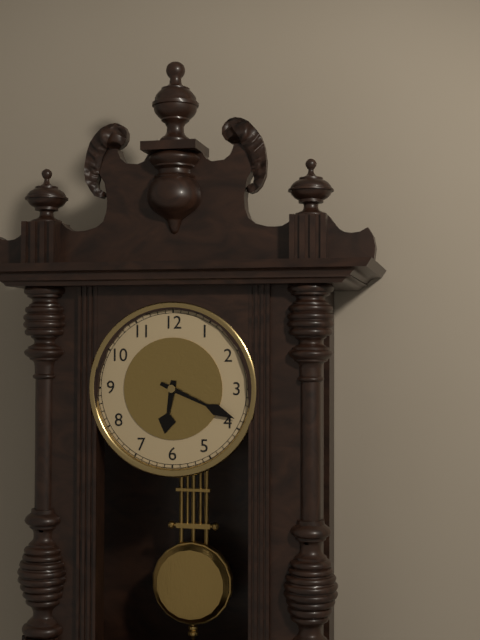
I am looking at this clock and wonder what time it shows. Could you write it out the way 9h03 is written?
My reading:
6h19
